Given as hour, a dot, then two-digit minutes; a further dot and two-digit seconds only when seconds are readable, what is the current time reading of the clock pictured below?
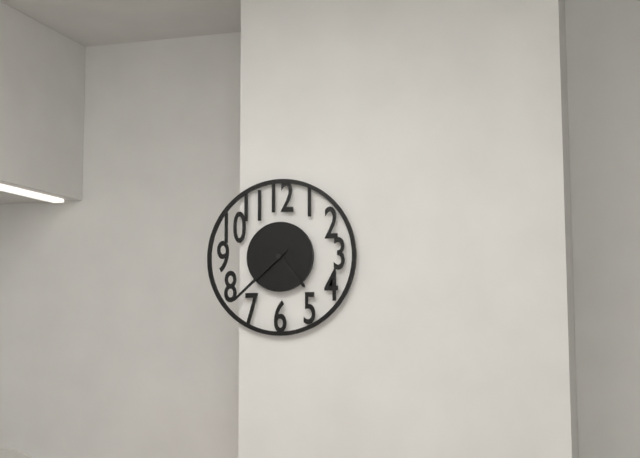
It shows 4.38
